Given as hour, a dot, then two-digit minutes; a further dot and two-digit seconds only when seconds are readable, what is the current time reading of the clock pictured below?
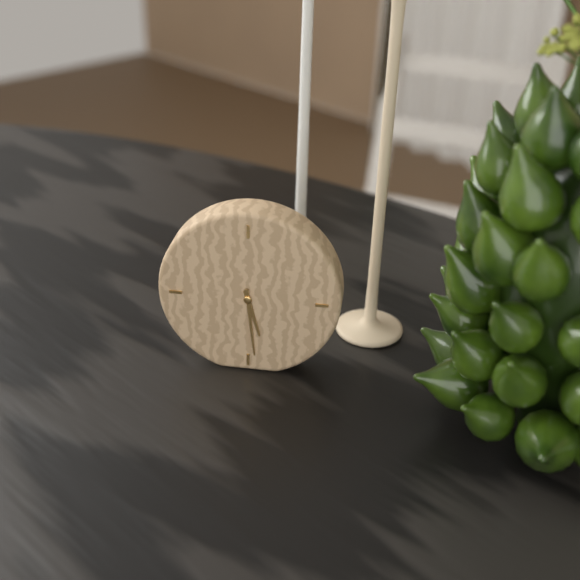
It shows 5.29
